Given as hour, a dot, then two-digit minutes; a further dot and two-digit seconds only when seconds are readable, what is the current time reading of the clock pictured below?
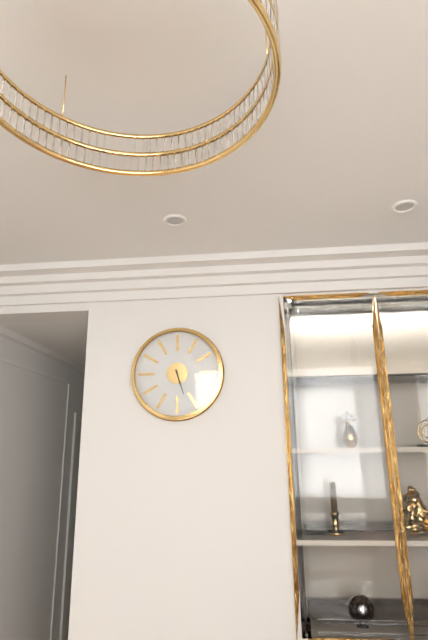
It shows 5.27
